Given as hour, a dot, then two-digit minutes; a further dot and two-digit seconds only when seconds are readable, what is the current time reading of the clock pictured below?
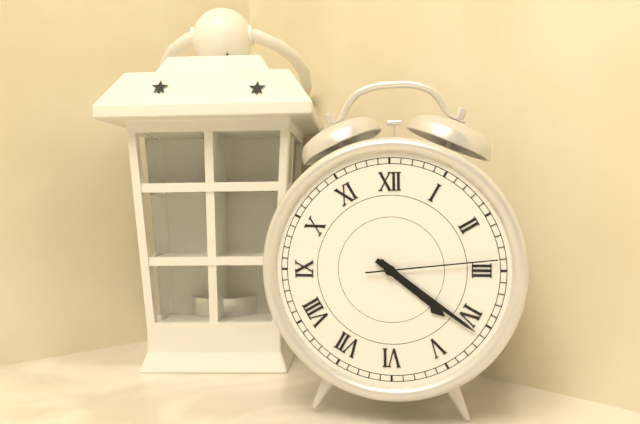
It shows 4.21.14
